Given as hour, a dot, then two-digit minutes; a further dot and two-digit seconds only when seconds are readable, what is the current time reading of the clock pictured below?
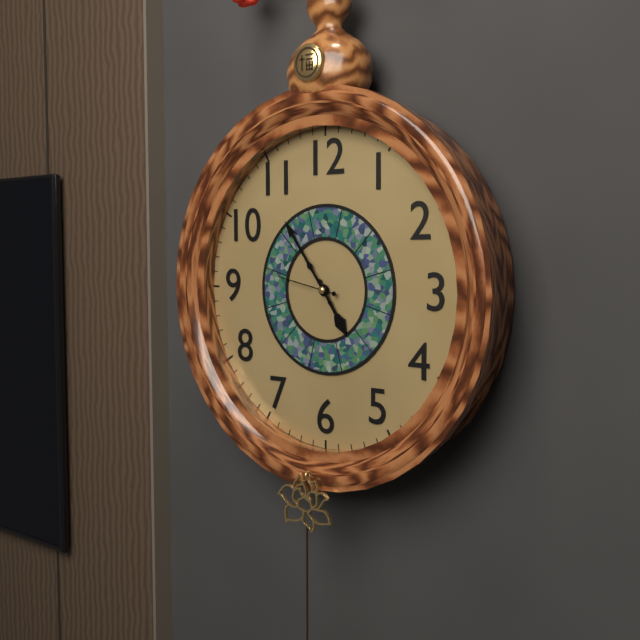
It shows 4.54.47
